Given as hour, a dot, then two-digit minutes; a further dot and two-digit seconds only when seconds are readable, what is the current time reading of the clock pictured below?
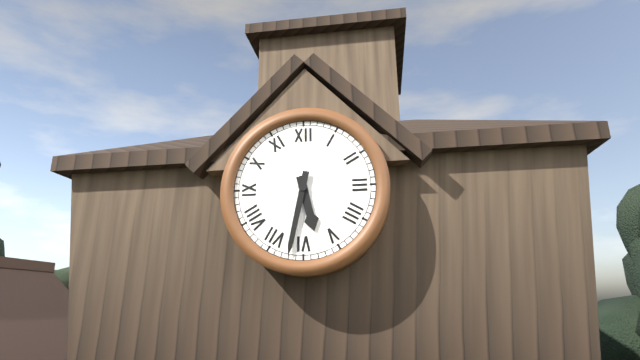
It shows 5.32
